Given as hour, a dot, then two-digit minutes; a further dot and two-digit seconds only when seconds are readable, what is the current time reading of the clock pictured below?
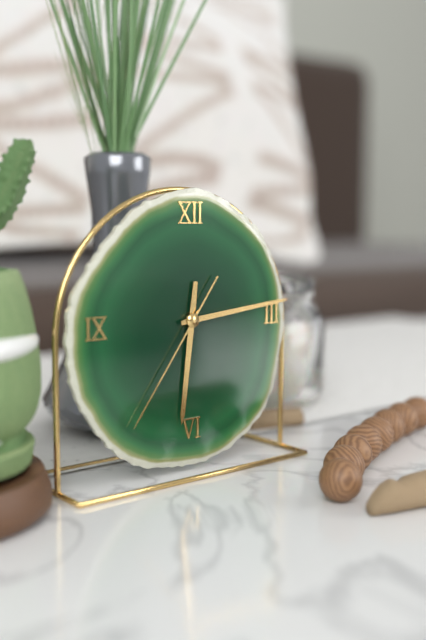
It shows 6.14.36
